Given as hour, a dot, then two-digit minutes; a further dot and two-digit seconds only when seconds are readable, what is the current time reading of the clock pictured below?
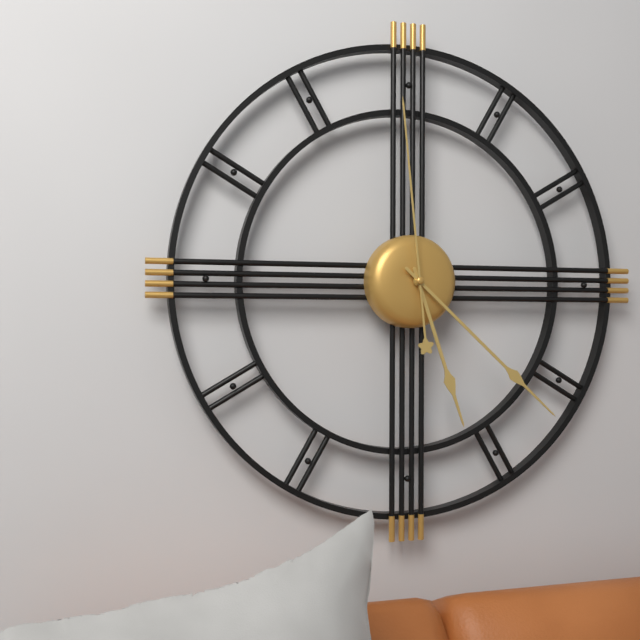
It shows 5.22.59
